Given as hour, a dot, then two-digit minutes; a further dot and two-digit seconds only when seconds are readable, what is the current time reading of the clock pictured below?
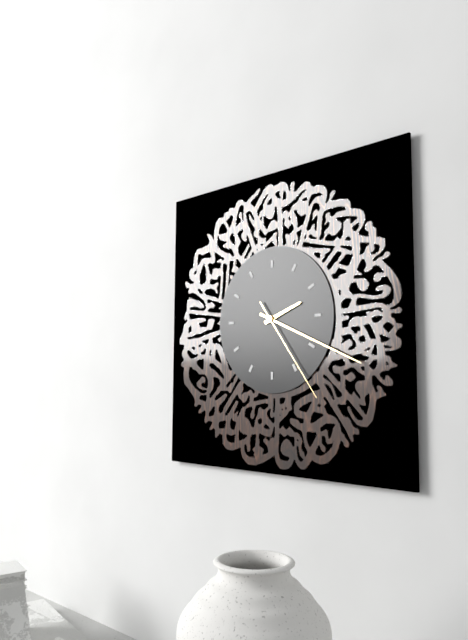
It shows 2.19.24
